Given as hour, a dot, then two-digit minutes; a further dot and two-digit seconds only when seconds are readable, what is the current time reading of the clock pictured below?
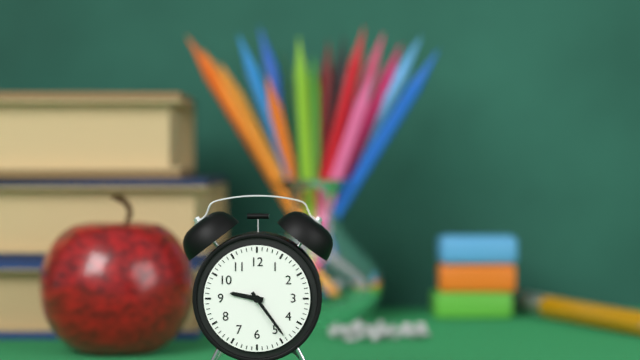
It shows 9.24
